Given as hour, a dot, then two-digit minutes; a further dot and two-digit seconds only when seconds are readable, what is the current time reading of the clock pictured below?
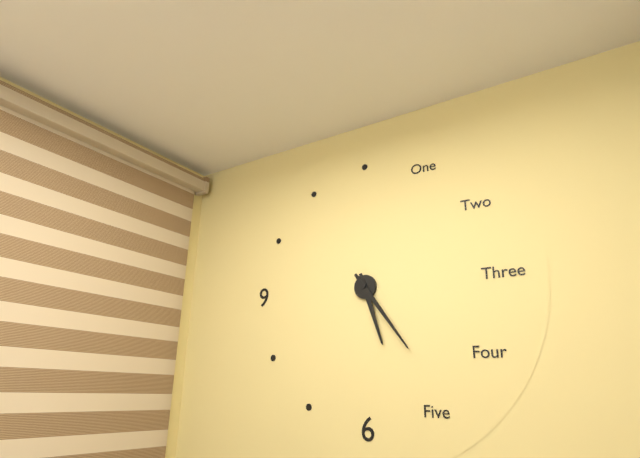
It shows 5.24
